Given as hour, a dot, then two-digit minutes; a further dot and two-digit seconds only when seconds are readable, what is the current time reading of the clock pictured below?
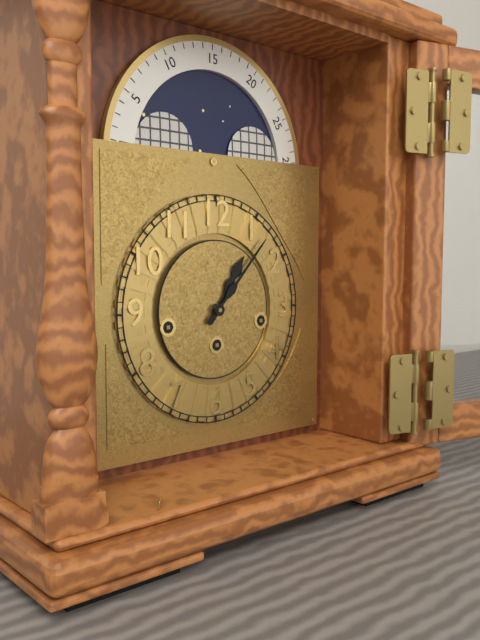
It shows 1.07
